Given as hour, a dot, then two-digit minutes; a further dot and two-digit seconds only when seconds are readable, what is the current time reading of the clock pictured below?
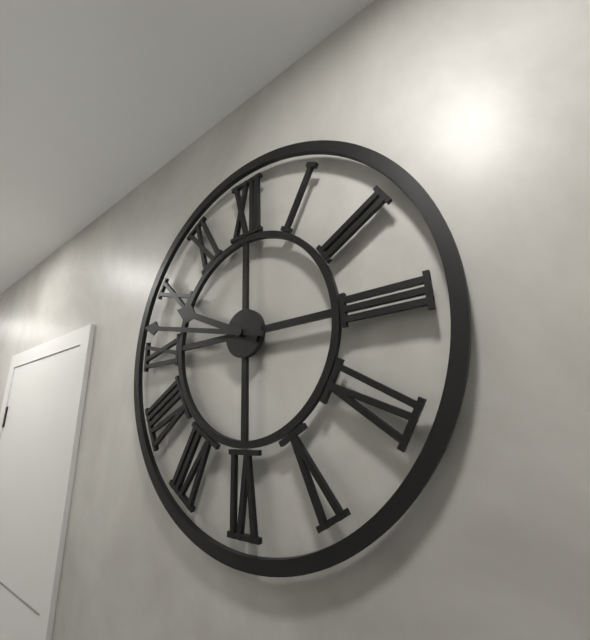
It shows 9.47
